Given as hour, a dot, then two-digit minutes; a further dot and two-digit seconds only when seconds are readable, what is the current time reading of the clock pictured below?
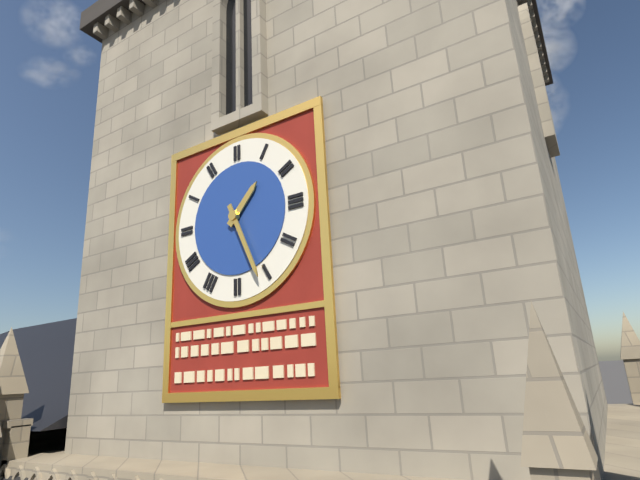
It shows 1.26
